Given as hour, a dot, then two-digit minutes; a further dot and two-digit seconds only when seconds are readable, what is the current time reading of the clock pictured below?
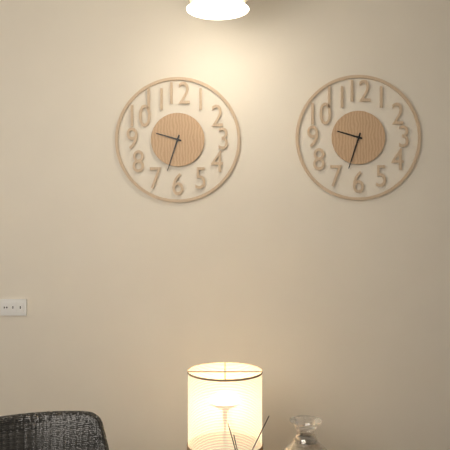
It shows 9.33
